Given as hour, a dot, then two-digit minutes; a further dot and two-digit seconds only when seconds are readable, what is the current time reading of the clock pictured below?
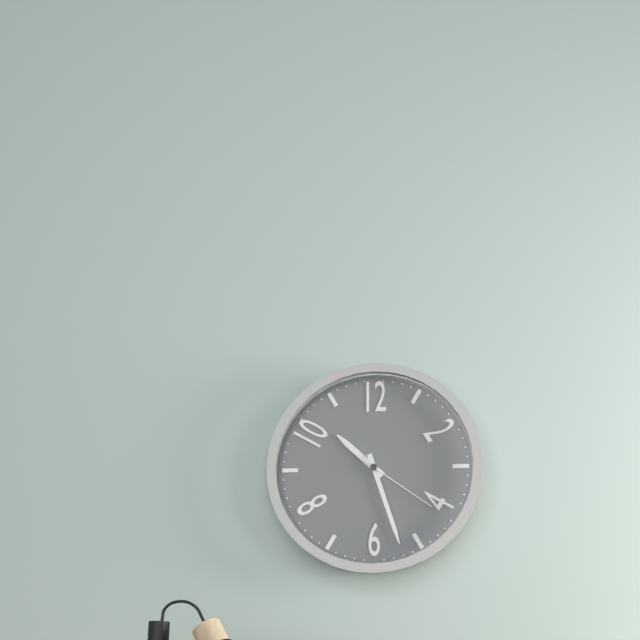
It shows 10.27.21
